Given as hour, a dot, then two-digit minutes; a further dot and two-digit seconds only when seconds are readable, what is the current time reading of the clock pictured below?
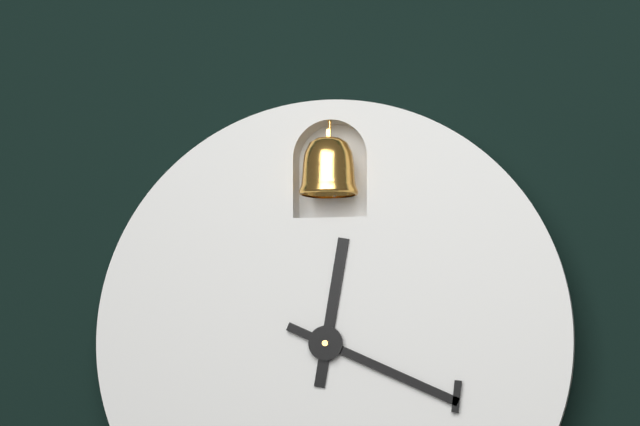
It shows 12.19
